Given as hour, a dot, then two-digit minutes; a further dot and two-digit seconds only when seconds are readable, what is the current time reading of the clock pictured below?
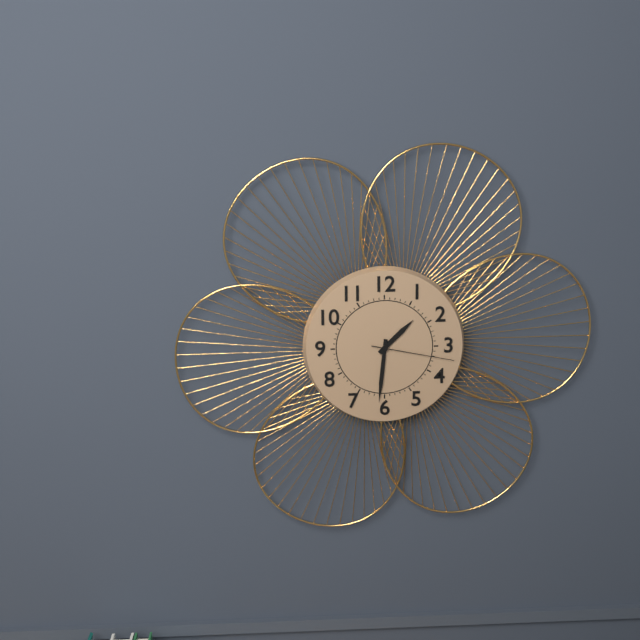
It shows 1.31.17
